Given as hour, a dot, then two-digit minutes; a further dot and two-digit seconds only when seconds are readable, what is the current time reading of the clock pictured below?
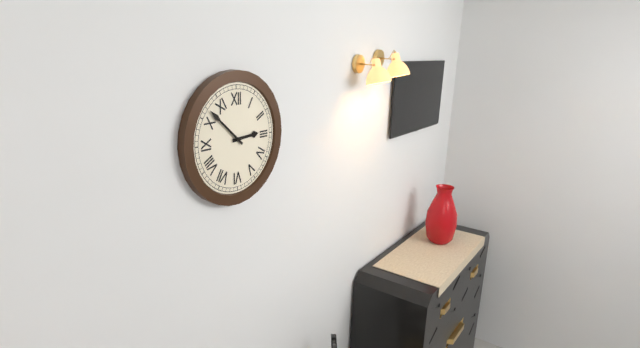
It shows 2.52
